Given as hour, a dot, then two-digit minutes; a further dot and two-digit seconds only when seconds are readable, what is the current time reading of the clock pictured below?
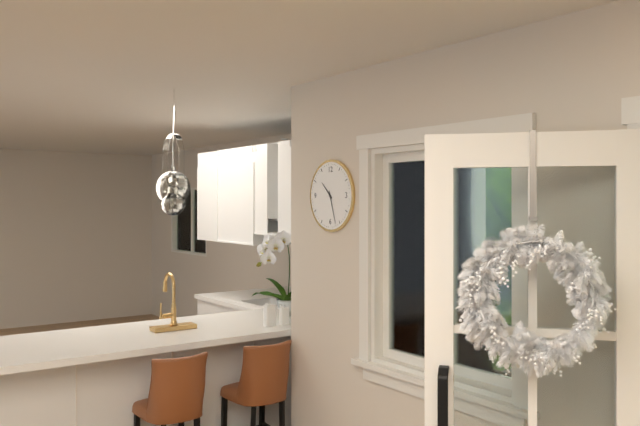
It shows 10.27
